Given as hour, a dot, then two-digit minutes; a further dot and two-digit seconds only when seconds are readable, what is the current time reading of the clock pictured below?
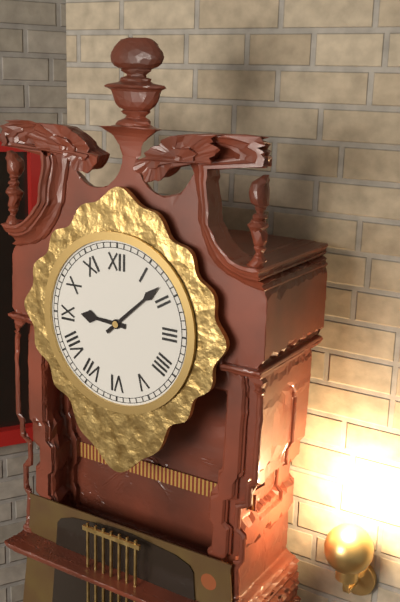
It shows 9.08
